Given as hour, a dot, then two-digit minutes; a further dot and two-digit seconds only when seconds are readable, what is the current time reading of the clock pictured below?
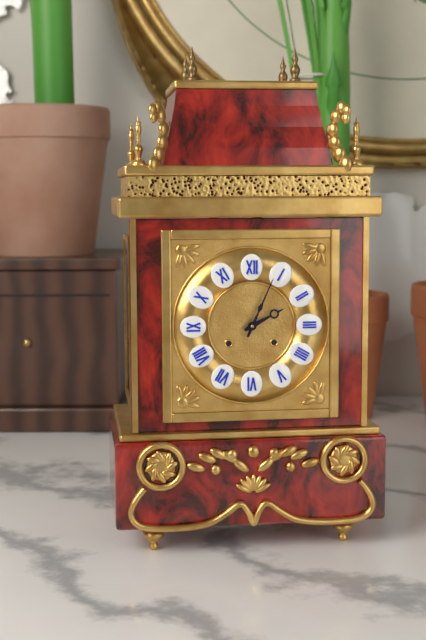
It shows 2.04
